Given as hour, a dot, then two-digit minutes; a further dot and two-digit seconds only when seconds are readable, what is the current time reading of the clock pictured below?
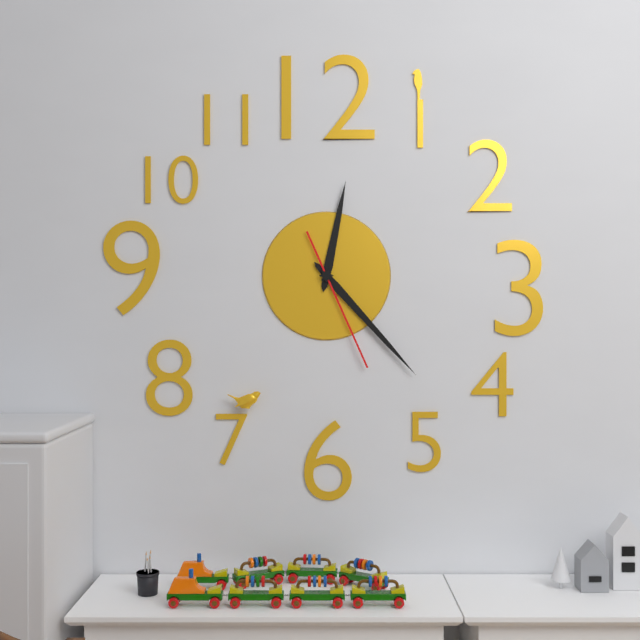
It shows 12.23.26
